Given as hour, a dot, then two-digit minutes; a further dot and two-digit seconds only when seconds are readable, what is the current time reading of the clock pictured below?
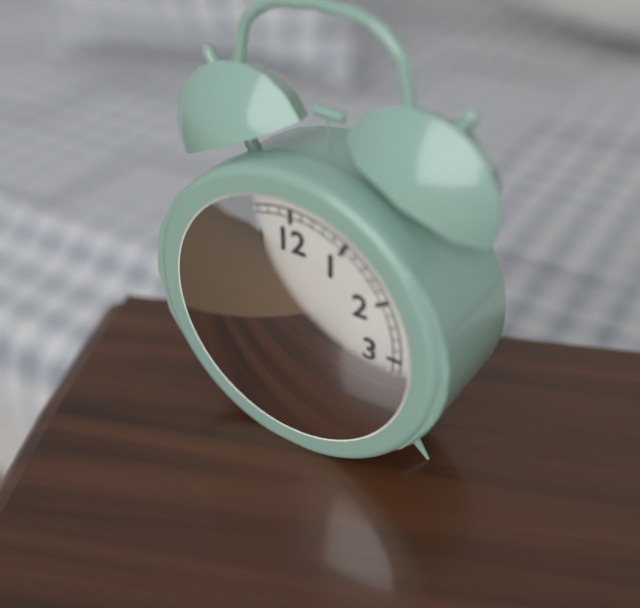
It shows 5.43.21
